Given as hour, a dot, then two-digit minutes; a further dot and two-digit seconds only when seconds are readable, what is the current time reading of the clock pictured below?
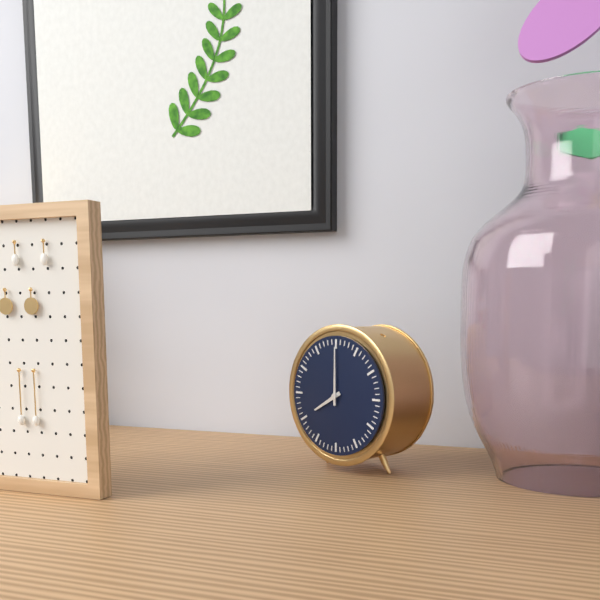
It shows 8.00
